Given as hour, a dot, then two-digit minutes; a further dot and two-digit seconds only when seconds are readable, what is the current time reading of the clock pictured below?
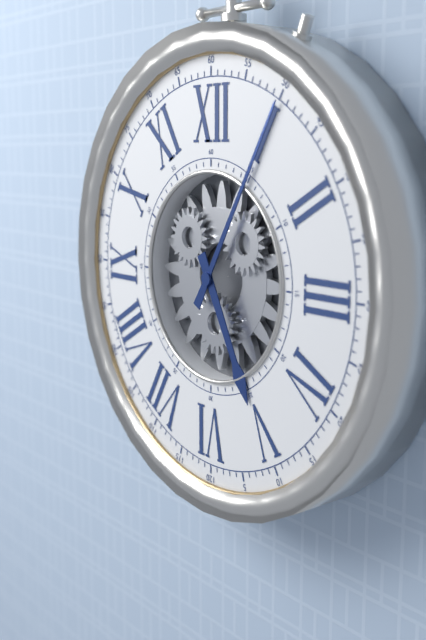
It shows 5.05
